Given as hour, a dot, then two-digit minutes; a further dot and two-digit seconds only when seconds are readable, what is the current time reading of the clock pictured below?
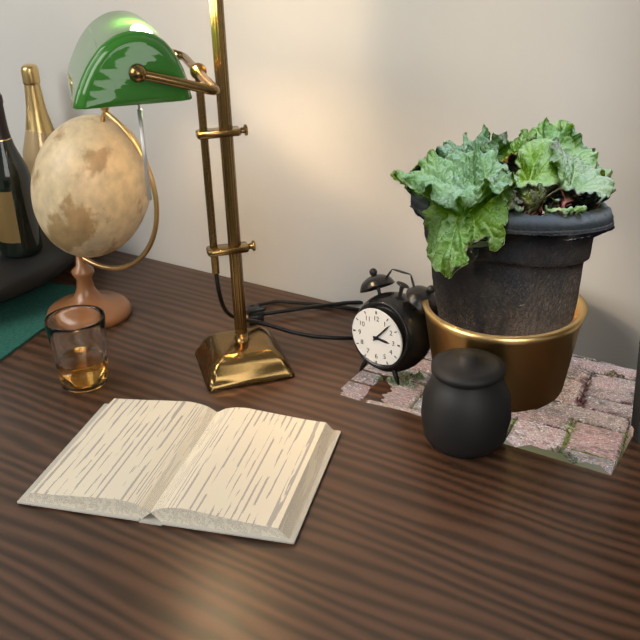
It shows 3.07
